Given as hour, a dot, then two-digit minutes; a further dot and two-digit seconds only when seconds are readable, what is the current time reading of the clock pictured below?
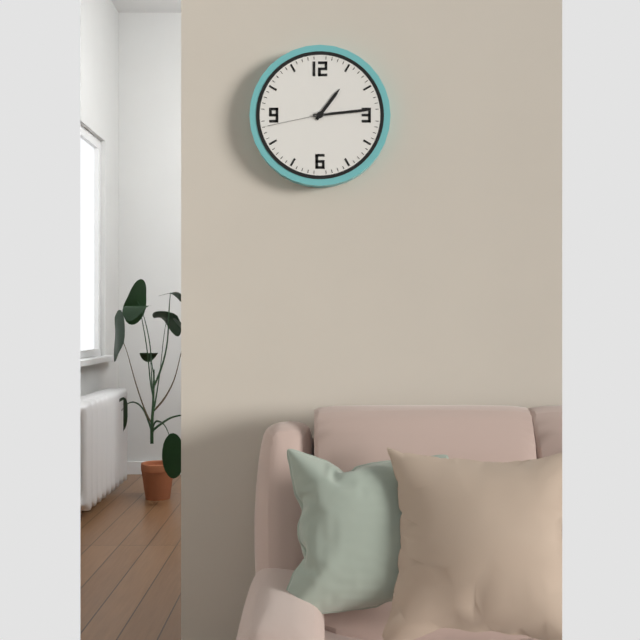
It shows 1.14.43
